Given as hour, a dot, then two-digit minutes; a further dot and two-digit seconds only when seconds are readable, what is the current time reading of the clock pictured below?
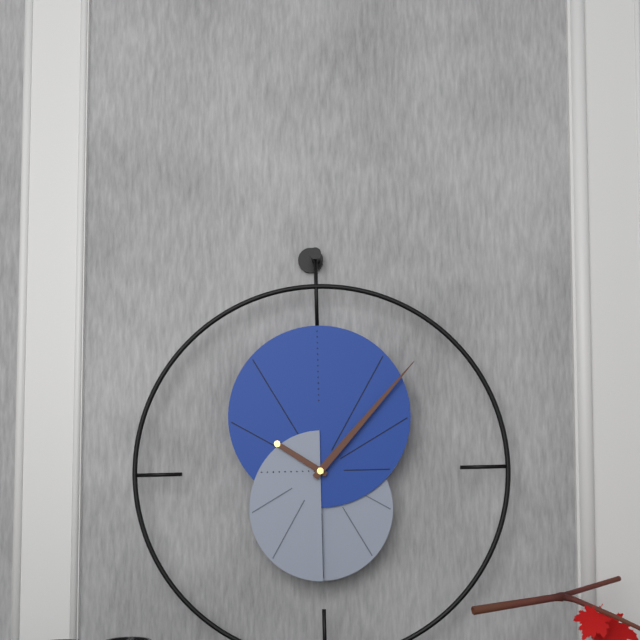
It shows 10.07
